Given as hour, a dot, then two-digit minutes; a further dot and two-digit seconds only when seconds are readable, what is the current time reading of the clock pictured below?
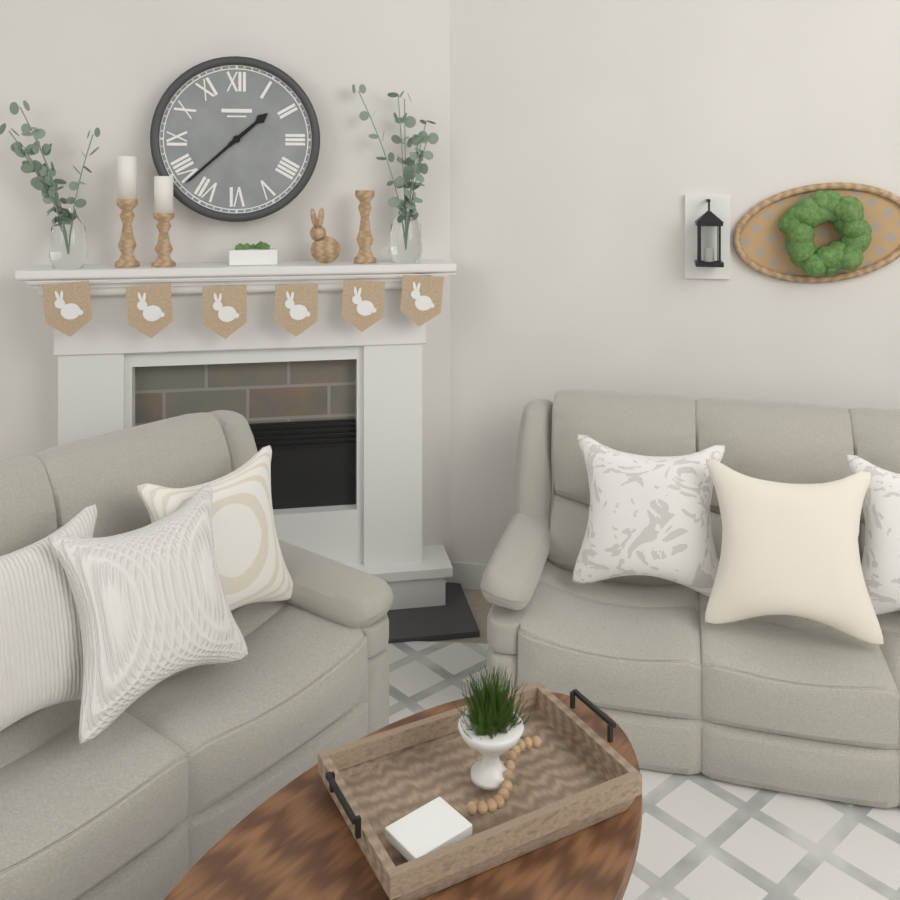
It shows 1.38
